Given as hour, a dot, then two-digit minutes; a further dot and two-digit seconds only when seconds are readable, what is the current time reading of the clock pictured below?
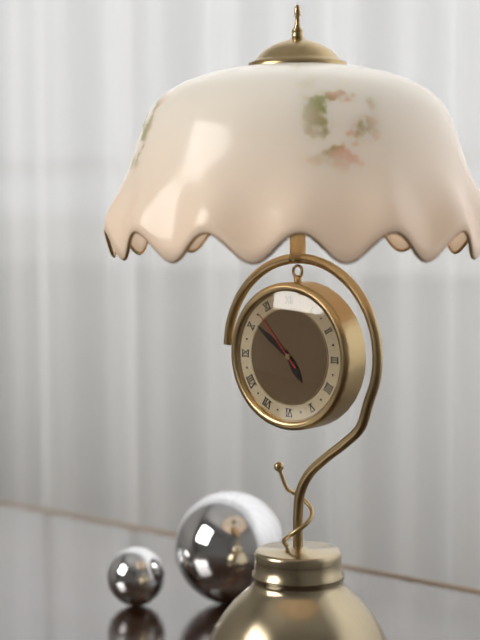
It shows 4.51.53
